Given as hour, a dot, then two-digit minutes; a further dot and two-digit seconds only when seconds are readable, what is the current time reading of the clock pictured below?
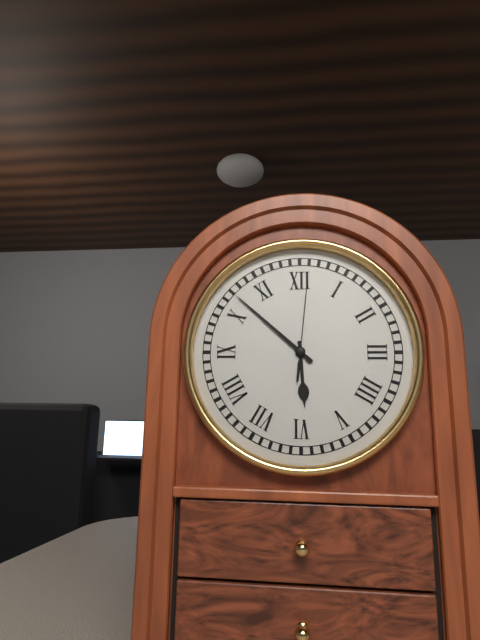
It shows 5.52.01
